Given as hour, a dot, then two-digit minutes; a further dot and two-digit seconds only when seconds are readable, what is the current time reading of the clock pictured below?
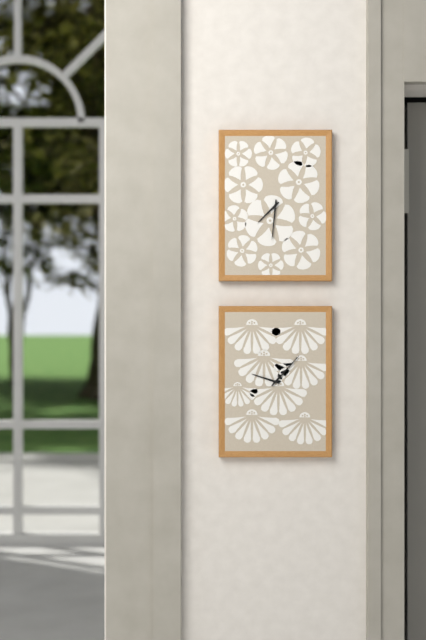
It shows 7.31
